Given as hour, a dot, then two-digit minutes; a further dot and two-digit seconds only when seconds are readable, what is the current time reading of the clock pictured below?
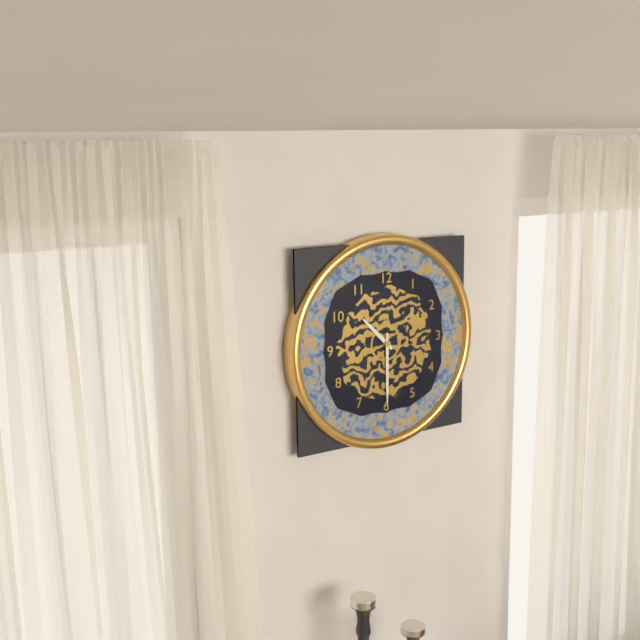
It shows 10.30
